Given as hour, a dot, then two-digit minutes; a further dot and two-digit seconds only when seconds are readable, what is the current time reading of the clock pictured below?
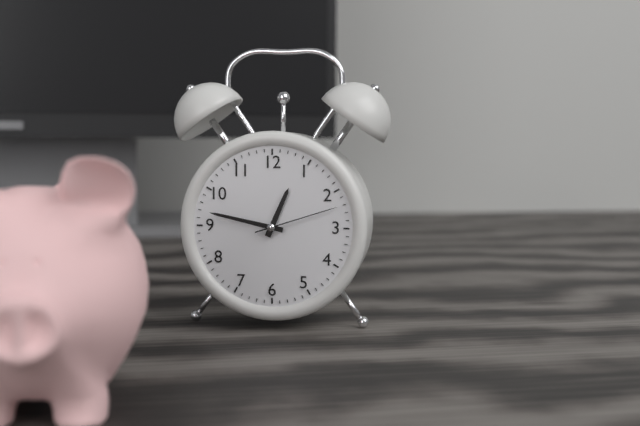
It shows 12.47.12
